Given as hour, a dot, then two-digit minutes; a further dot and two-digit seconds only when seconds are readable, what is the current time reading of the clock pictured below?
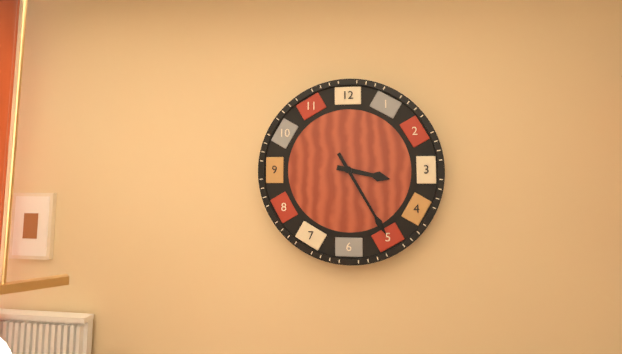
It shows 3.25
